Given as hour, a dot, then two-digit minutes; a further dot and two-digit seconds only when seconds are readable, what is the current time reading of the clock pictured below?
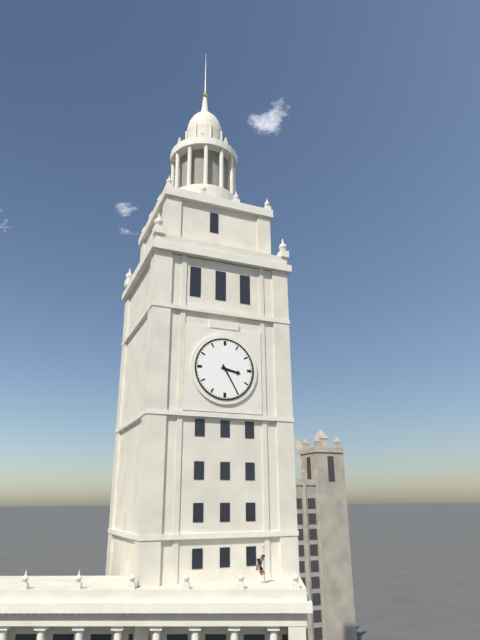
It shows 3.25
